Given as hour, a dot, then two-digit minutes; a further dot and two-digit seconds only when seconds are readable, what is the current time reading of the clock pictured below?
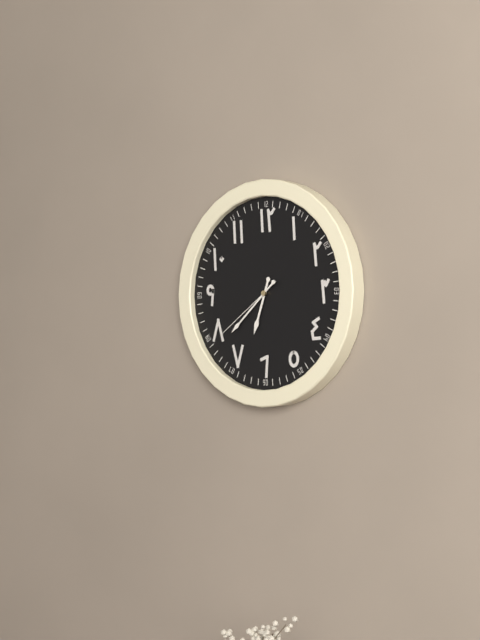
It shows 6.38.39
